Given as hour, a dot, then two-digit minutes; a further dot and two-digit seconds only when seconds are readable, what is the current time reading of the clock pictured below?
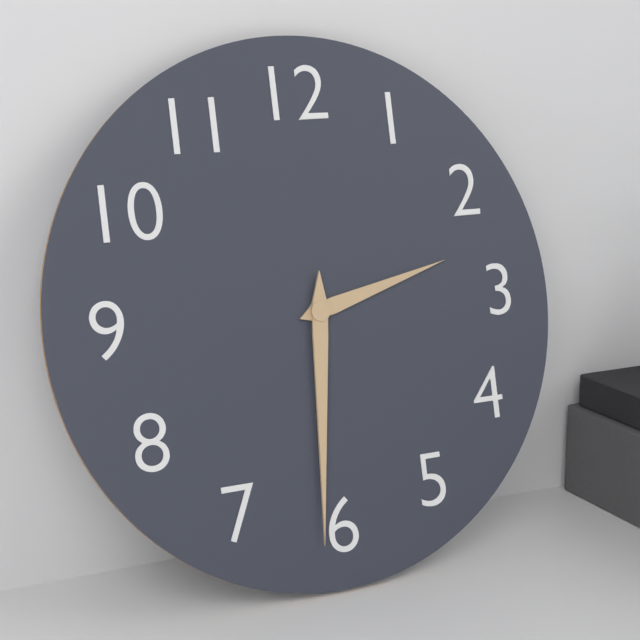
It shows 2.31
